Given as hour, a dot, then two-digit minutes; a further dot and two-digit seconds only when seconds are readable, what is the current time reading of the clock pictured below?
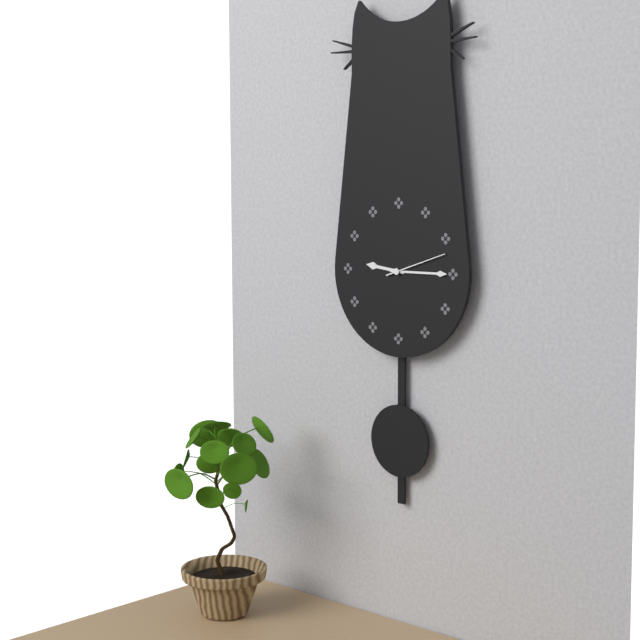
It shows 9.15.12
